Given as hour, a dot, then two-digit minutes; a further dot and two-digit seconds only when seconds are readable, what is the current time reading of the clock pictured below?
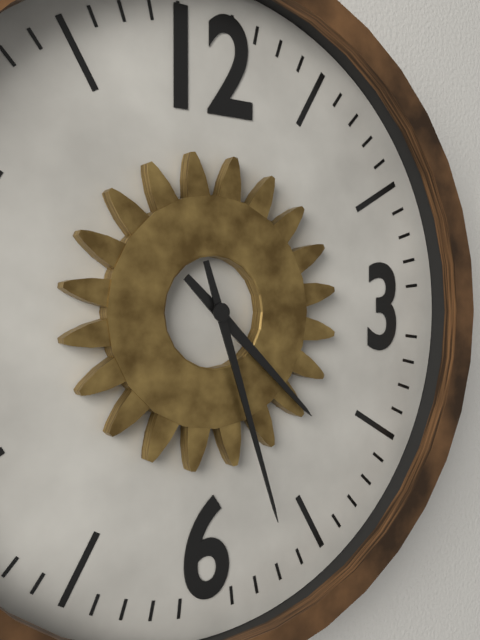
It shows 4.27
